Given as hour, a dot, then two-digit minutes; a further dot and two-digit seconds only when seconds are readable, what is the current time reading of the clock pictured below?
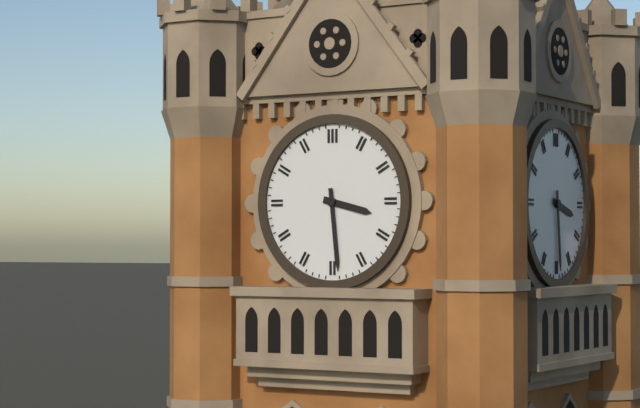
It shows 3.29
